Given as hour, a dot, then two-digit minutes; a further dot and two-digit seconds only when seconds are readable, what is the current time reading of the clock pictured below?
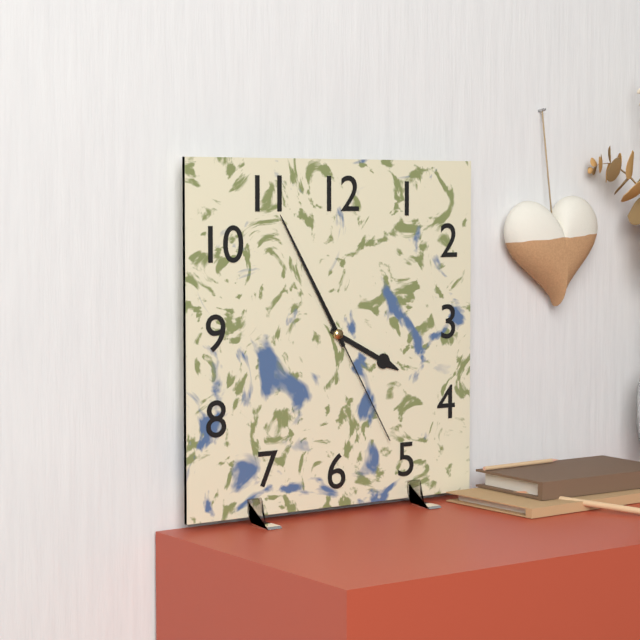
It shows 3.55.25
